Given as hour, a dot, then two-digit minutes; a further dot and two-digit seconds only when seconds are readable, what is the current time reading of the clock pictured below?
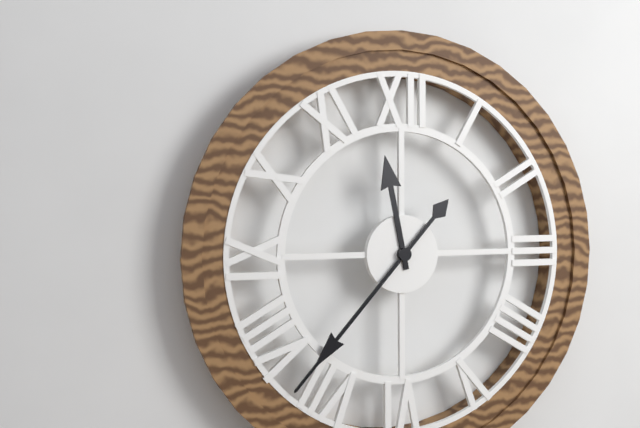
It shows 11.37
